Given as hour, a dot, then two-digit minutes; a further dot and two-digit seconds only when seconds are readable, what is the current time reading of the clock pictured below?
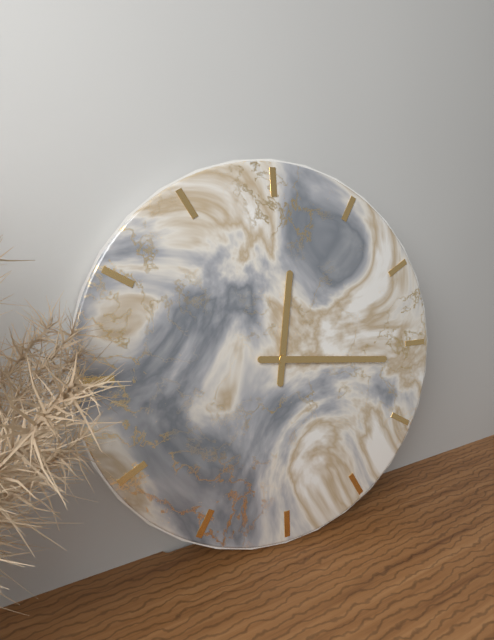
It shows 12.16
